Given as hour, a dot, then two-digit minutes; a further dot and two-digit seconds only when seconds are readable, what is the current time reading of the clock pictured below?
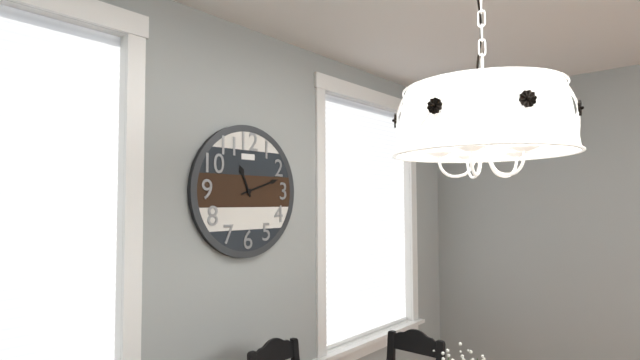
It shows 11.12
